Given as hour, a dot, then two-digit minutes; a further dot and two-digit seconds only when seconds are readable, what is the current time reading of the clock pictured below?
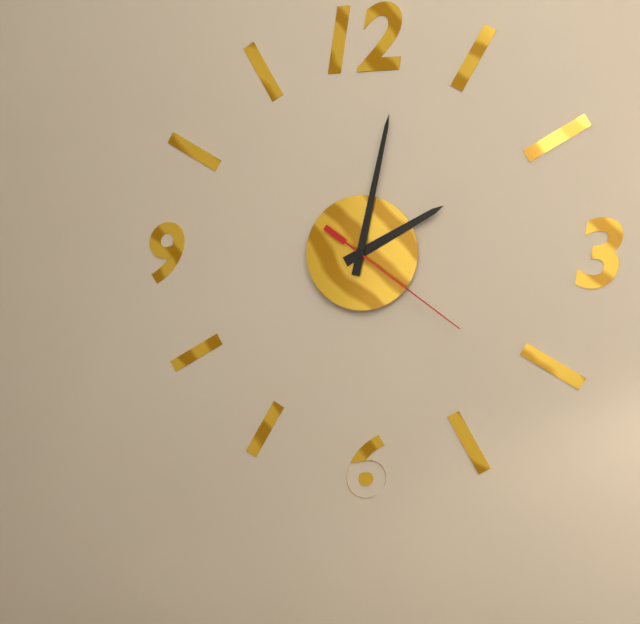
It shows 2.02.21
